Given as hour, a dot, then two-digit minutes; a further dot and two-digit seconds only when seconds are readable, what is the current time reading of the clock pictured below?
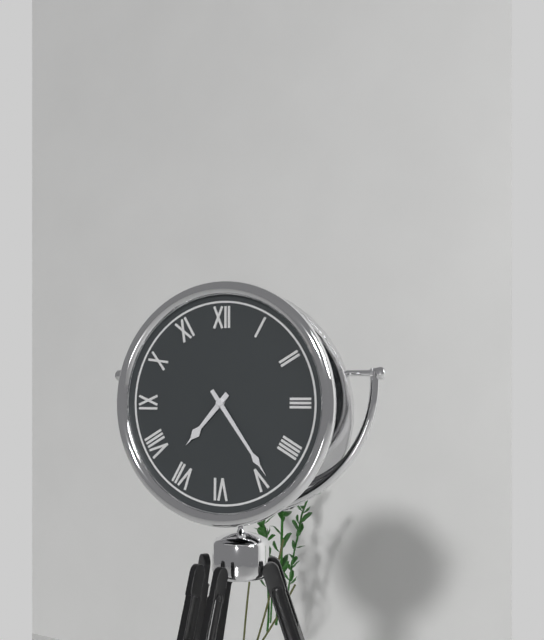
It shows 7.24
